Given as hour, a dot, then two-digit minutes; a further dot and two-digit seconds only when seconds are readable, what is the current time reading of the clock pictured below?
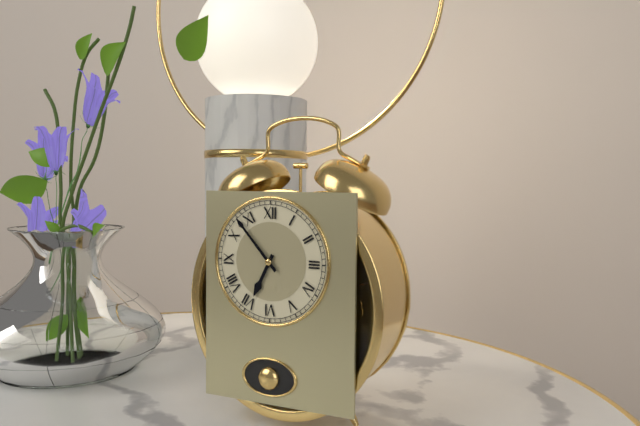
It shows 6.53
